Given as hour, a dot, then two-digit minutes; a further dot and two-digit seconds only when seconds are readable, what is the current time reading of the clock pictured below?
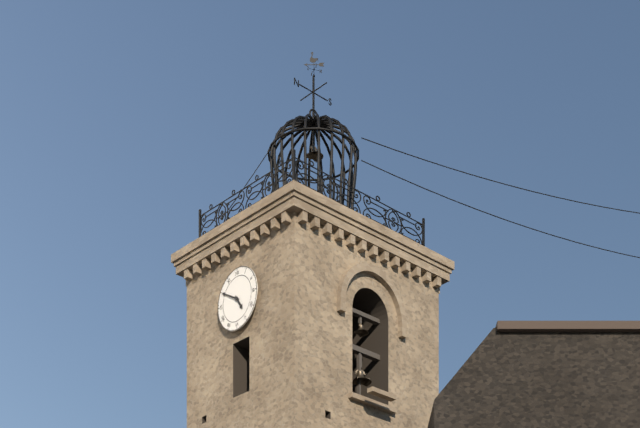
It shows 4.50
